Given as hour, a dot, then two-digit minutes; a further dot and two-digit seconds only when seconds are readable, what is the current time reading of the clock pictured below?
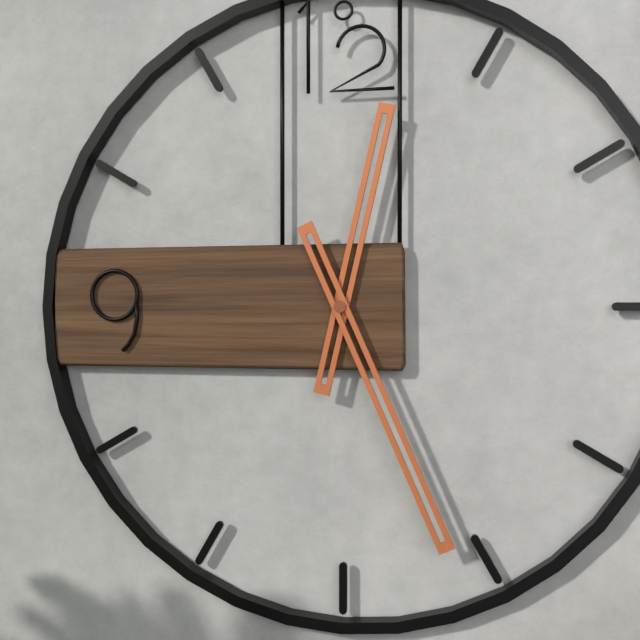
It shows 12.26
